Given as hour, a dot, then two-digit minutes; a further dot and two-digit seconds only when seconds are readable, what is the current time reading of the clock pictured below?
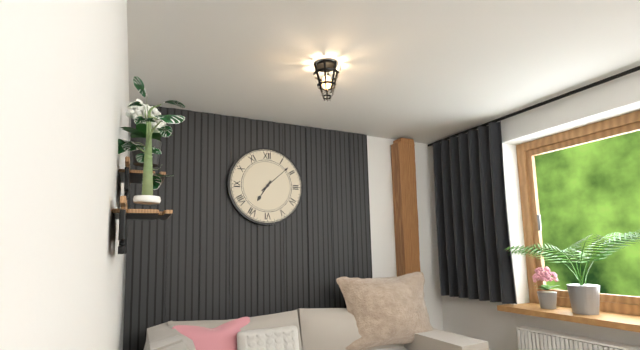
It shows 7.08
